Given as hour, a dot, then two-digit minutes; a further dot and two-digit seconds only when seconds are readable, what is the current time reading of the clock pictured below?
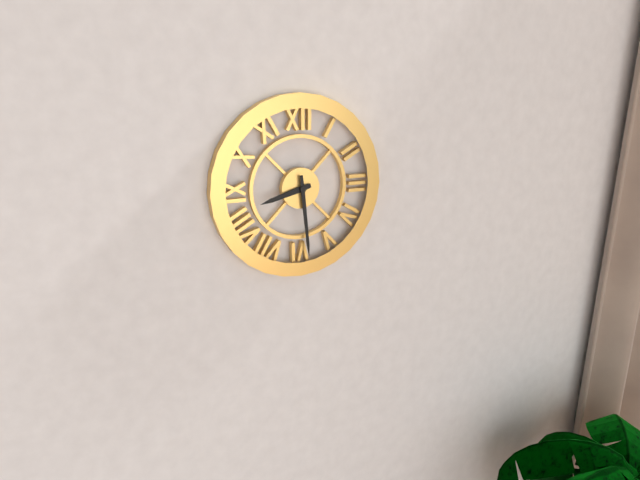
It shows 8.29
